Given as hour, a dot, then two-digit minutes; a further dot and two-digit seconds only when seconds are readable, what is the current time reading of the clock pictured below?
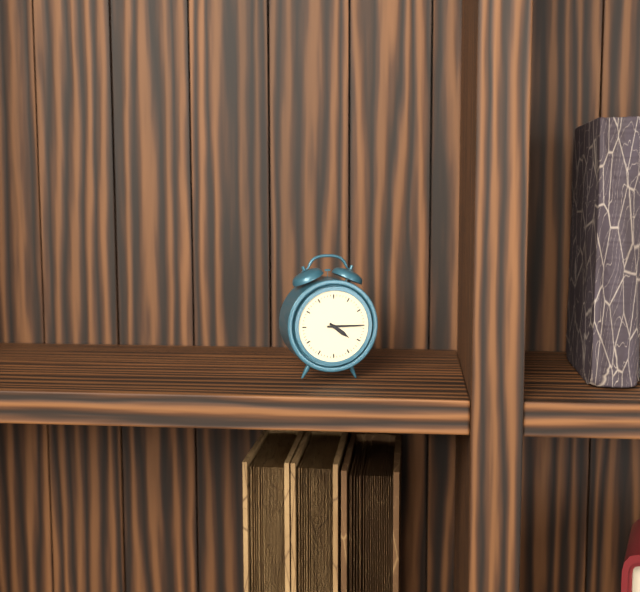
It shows 4.15
